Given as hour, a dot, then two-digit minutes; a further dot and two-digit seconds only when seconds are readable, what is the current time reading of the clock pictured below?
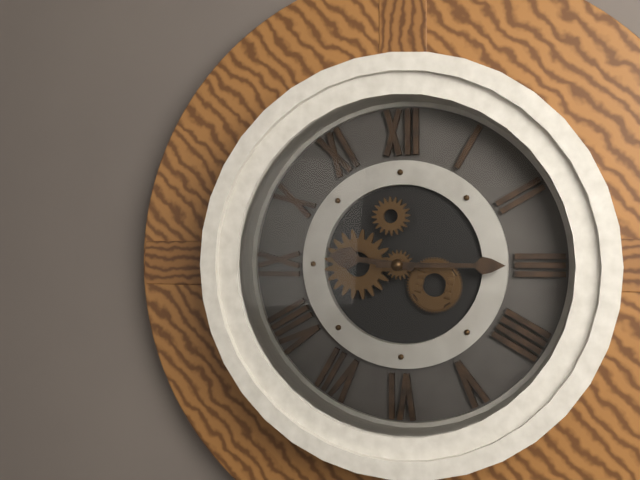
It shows 9.15
